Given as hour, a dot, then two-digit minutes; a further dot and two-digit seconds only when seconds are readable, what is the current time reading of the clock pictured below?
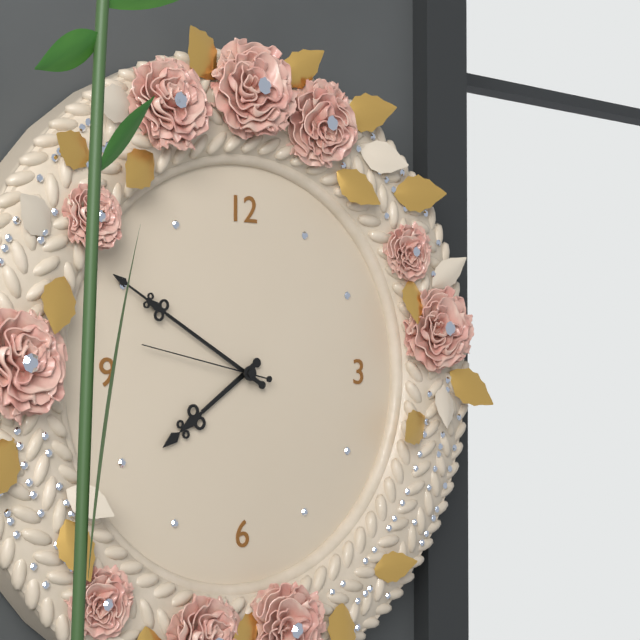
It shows 7.50.47
